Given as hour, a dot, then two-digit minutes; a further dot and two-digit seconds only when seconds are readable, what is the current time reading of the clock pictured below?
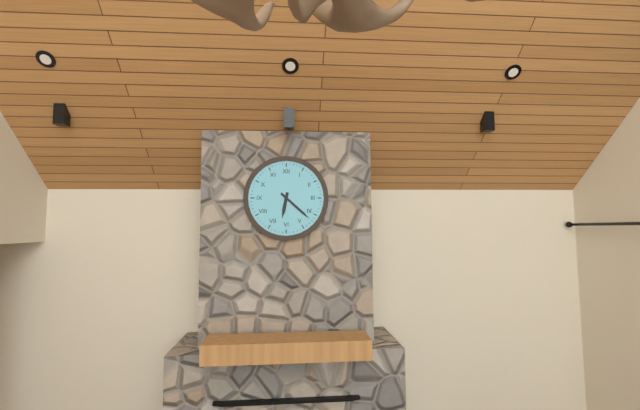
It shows 6.22
